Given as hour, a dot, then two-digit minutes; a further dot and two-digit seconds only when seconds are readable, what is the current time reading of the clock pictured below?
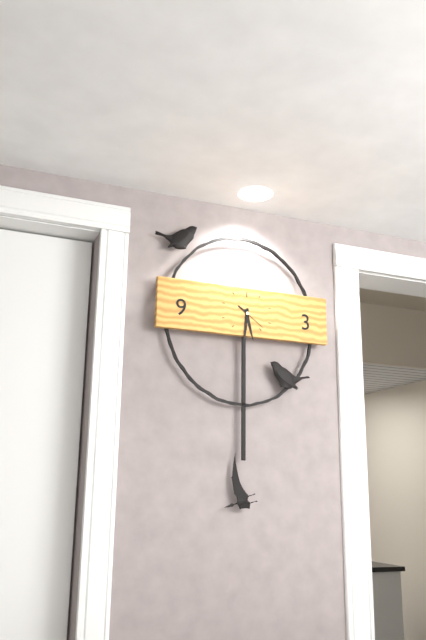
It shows 5.31
